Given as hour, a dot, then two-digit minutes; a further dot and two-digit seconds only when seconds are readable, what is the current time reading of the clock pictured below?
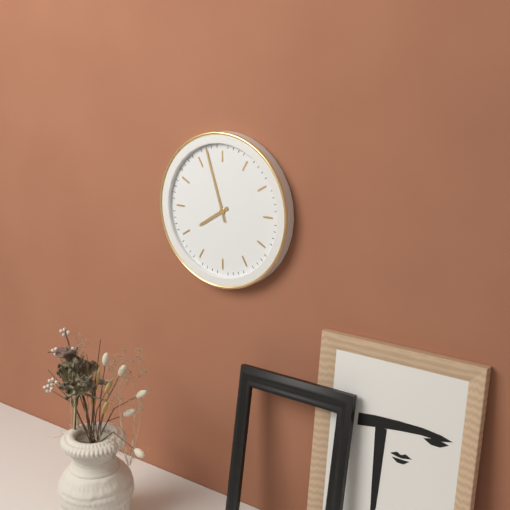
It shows 7.57
